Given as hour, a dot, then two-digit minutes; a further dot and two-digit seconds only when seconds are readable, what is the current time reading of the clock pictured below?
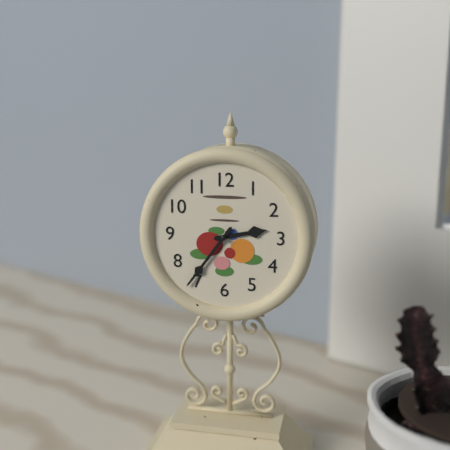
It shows 2.36
